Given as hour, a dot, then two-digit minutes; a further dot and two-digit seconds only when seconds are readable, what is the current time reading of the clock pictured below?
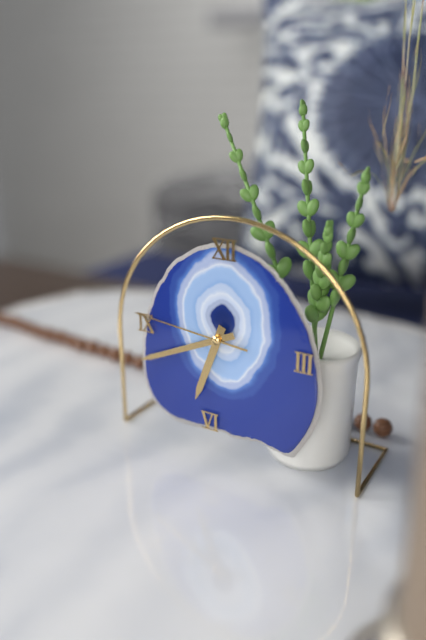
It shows 6.41.46
